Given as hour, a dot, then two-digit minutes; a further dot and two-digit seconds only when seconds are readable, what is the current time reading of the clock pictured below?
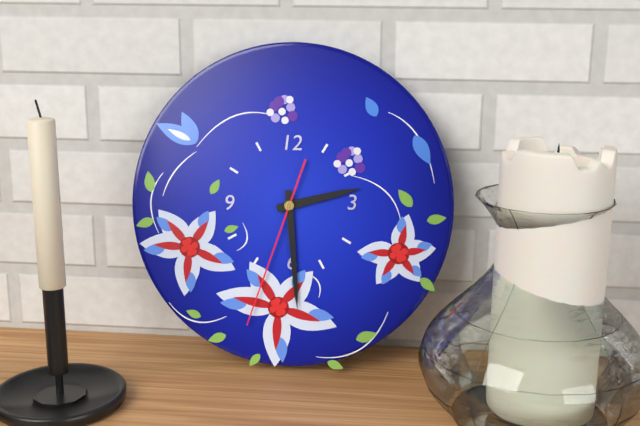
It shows 2.29.33
